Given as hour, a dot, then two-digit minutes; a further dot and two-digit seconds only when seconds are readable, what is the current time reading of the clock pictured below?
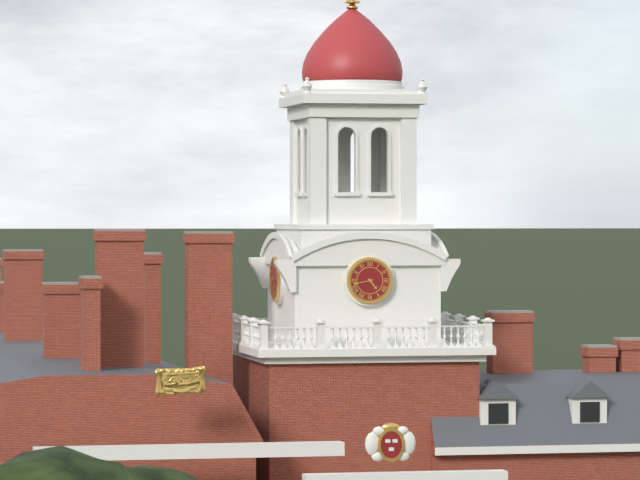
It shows 4.43
